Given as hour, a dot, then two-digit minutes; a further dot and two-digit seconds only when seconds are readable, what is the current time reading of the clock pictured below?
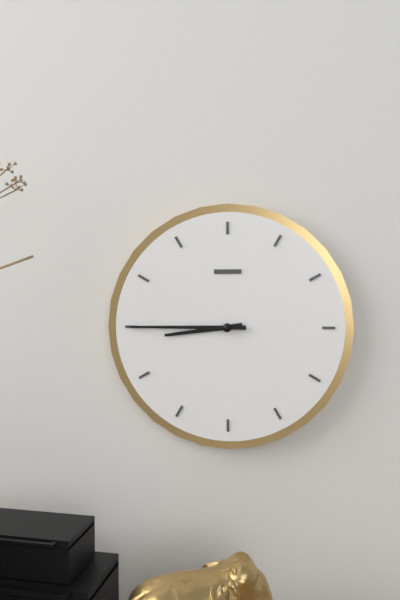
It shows 8.45
